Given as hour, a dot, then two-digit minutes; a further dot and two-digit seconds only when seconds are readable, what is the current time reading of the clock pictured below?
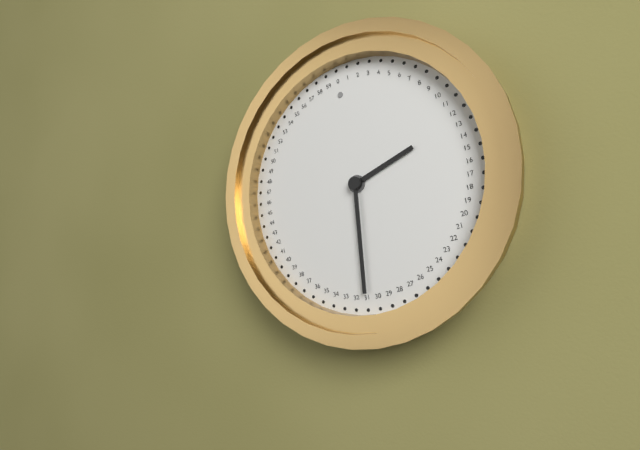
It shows 2.31
